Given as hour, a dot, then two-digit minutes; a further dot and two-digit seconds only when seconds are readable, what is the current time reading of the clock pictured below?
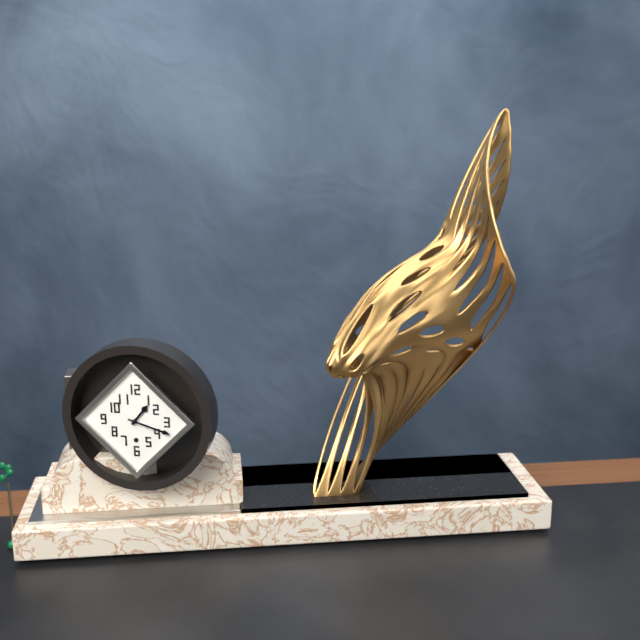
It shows 1.18
